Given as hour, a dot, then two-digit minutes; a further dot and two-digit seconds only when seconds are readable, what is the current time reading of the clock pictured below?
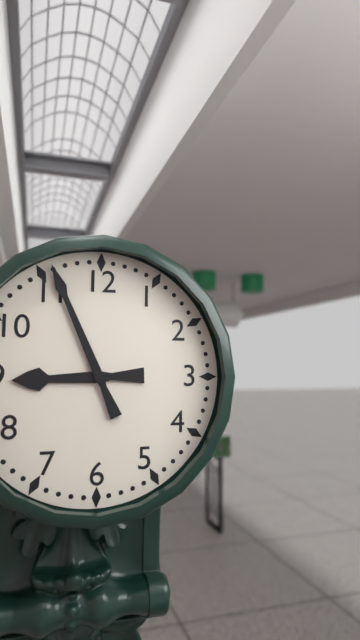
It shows 8.56
